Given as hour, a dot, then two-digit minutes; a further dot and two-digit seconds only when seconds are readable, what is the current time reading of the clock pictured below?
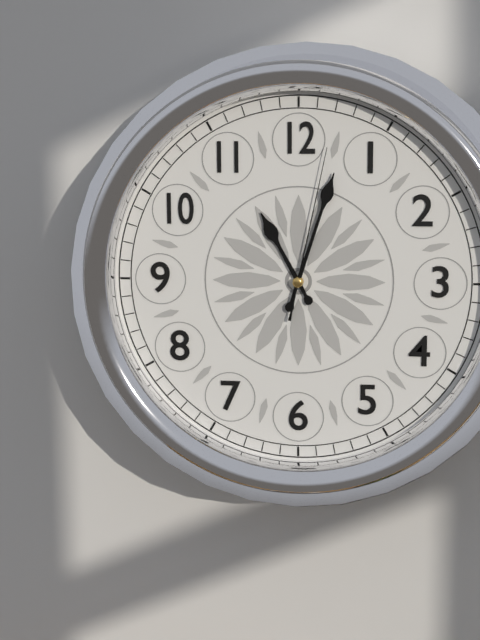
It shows 11.03.02
